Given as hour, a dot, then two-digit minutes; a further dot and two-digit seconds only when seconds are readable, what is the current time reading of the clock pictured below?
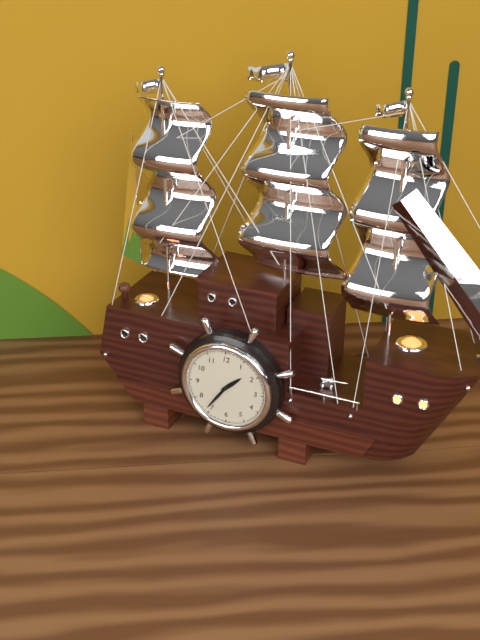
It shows 1.36
